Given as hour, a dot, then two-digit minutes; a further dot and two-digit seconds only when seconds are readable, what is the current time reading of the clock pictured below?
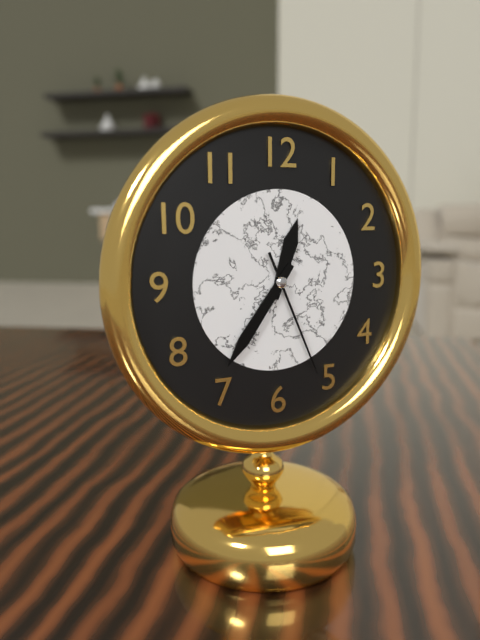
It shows 12.36.26
